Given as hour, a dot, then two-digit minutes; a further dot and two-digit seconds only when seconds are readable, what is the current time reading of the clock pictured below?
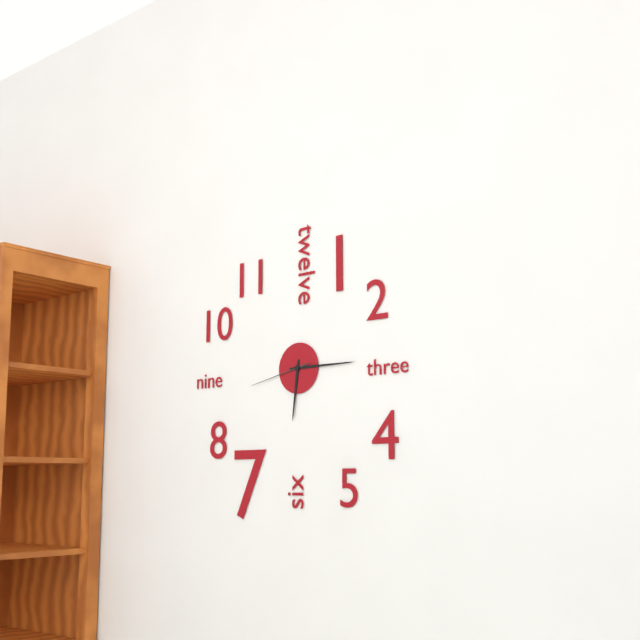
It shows 6.15.43
